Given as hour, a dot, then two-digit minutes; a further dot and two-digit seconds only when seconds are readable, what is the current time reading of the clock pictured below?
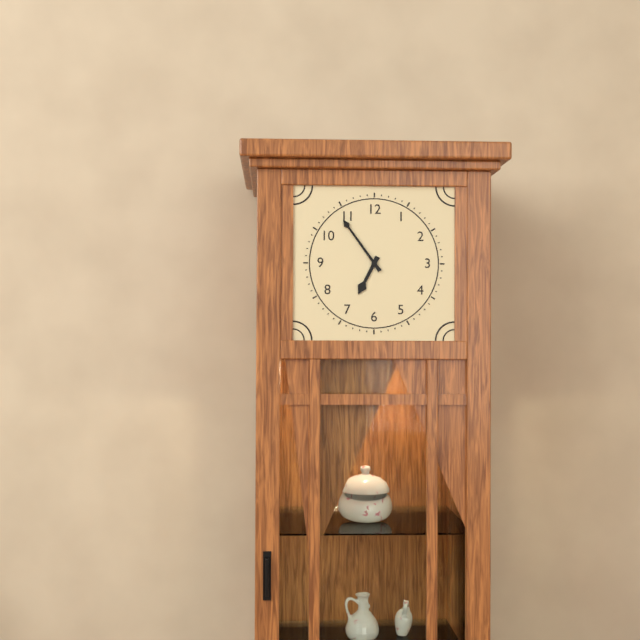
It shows 6.54
